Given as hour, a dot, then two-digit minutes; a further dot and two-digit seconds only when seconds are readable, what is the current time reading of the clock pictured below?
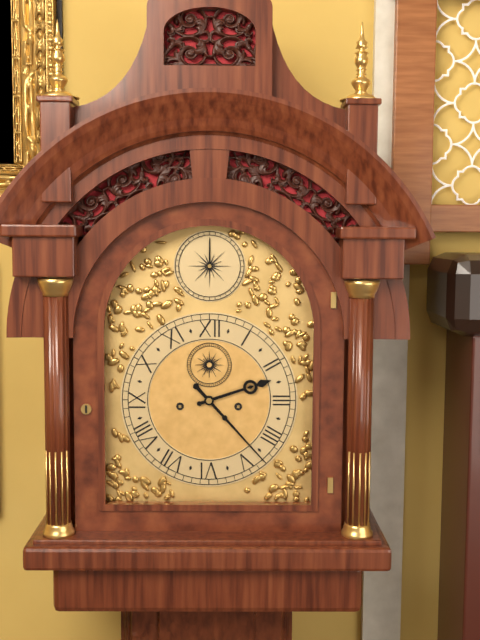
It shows 2.23
